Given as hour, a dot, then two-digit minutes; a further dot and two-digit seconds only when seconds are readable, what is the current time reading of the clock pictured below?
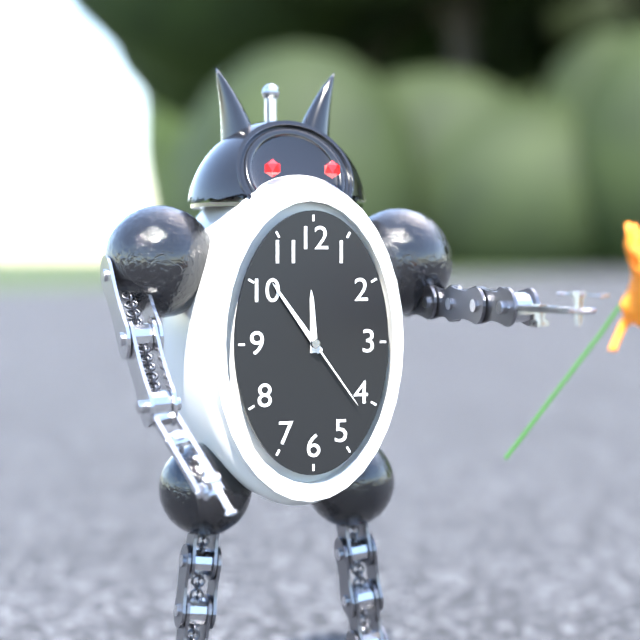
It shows 11.54.24
